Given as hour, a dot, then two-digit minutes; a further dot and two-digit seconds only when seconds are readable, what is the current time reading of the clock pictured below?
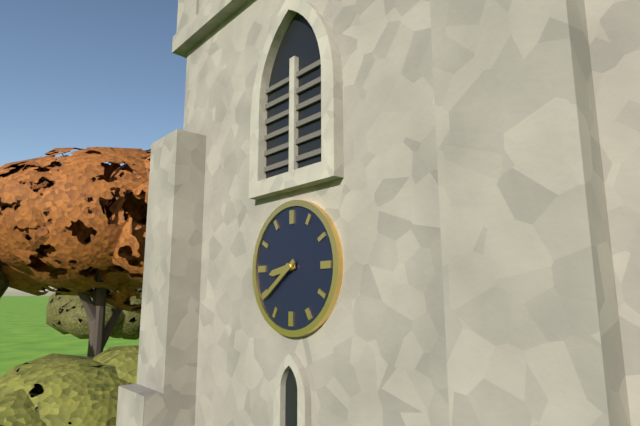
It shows 8.39
